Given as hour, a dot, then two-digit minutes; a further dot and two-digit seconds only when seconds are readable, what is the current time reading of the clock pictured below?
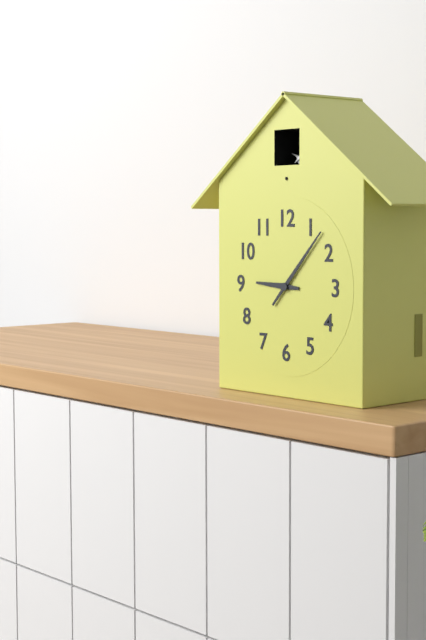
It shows 9.07
